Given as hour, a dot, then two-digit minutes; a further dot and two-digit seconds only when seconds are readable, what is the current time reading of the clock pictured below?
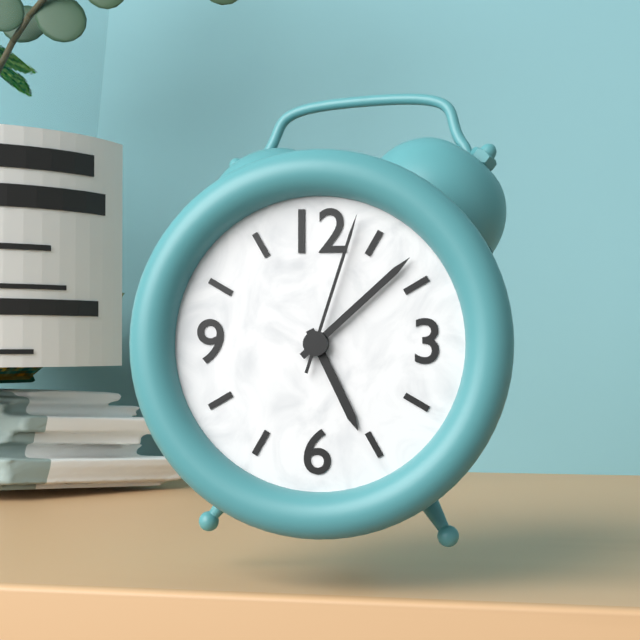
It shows 5.08.03
